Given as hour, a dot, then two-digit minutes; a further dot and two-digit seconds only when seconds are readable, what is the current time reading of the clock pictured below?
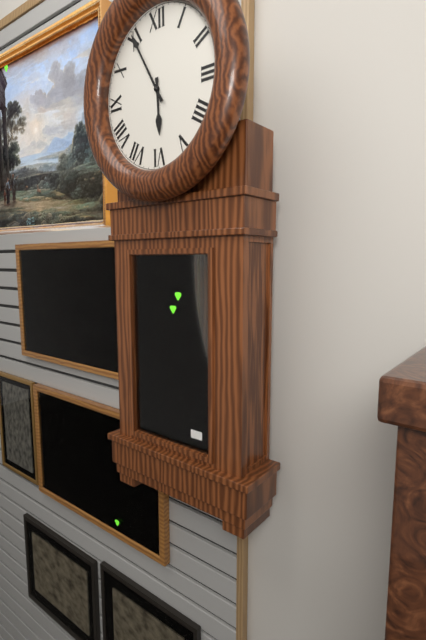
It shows 5.55
